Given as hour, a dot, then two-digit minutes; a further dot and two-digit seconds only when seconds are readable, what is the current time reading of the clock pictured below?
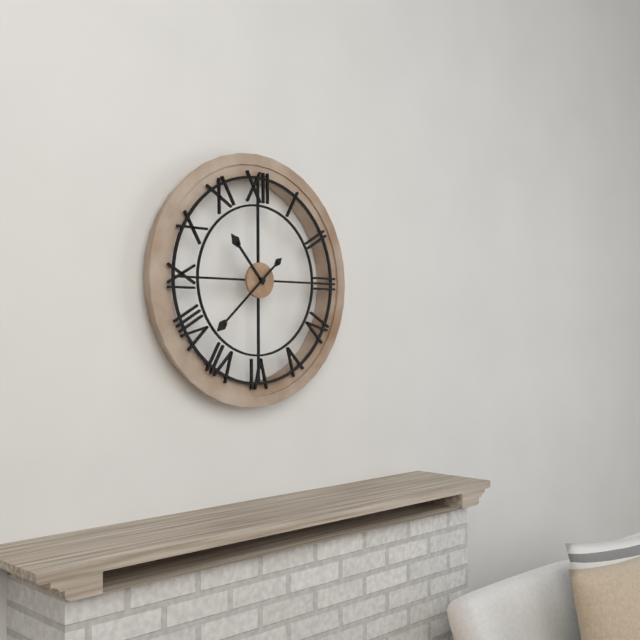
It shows 10.38
